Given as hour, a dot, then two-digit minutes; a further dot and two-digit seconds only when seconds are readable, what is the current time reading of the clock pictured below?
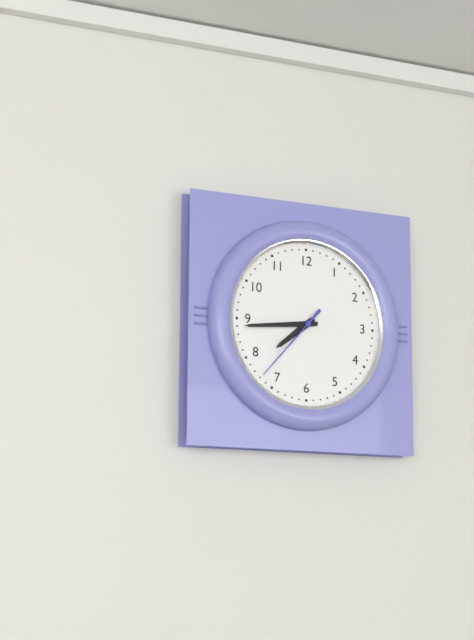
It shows 7.44.37
